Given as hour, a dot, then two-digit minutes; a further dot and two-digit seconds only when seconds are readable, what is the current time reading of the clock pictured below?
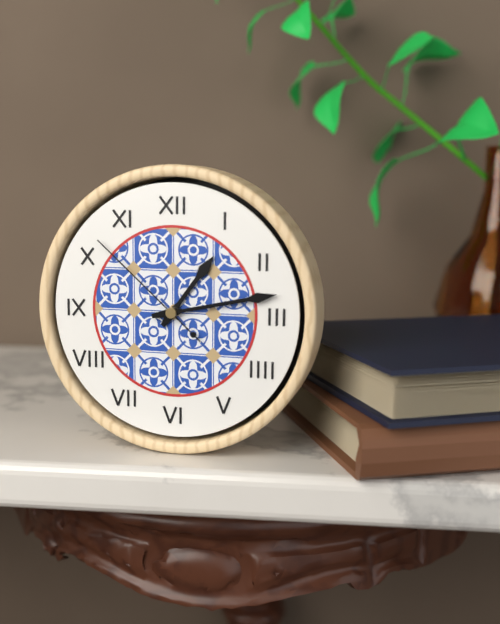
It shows 1.13.52
